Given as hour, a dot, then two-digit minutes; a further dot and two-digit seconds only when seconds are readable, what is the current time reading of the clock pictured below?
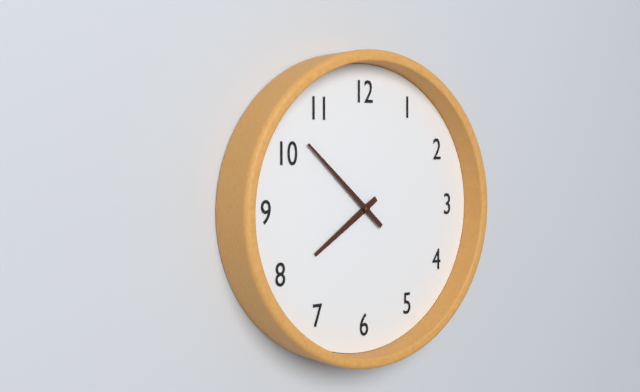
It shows 7.52
